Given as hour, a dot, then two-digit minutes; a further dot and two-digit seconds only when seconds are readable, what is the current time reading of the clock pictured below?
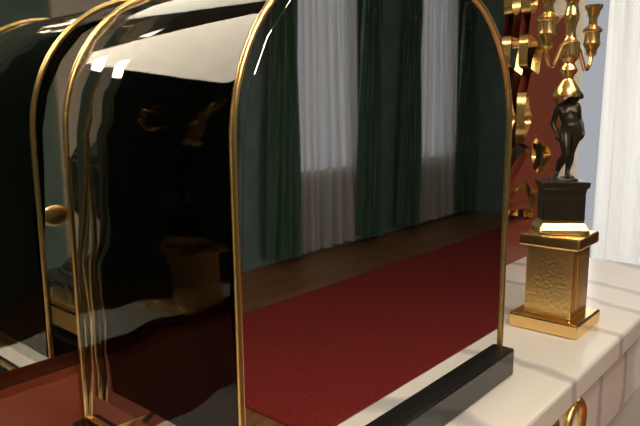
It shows 7.52
